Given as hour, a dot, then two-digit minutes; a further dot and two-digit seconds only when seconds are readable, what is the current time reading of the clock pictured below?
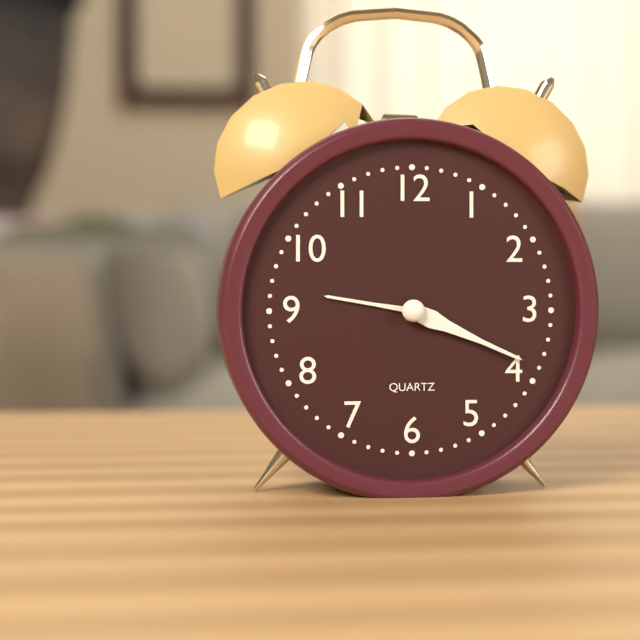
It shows 9.19
